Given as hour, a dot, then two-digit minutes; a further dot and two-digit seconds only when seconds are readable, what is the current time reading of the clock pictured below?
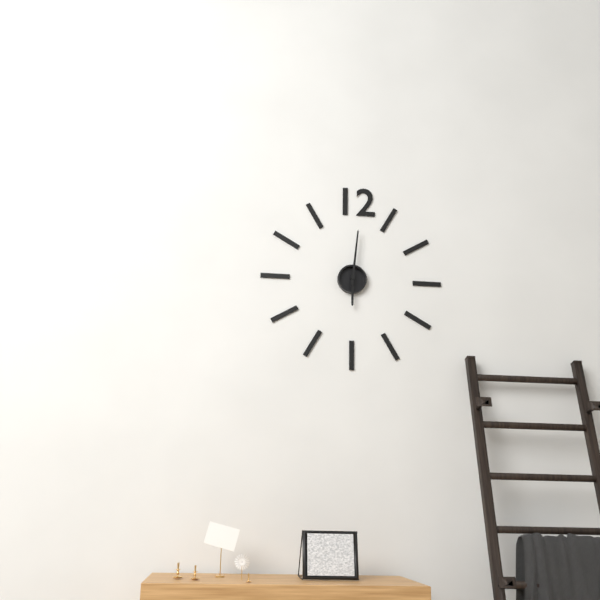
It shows 6.01
